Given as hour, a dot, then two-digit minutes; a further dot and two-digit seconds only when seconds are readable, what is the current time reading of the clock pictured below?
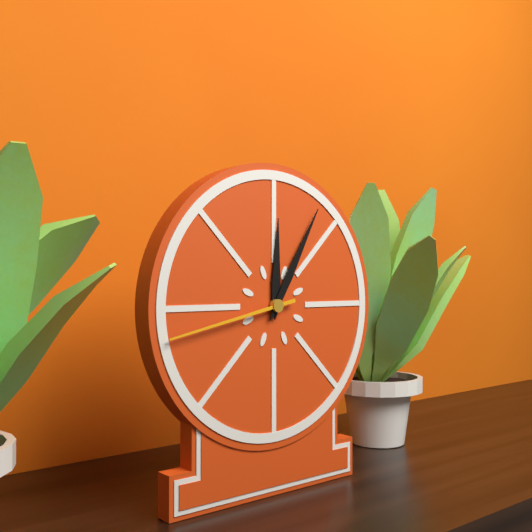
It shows 12.05.43
